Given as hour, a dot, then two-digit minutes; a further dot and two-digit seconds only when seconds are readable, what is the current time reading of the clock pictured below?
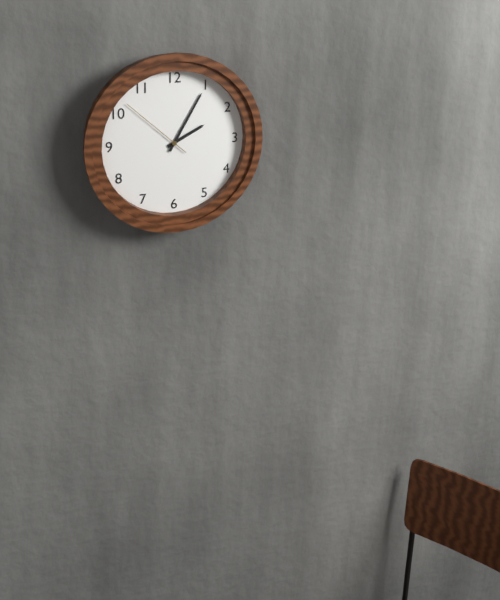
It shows 2.05.52
